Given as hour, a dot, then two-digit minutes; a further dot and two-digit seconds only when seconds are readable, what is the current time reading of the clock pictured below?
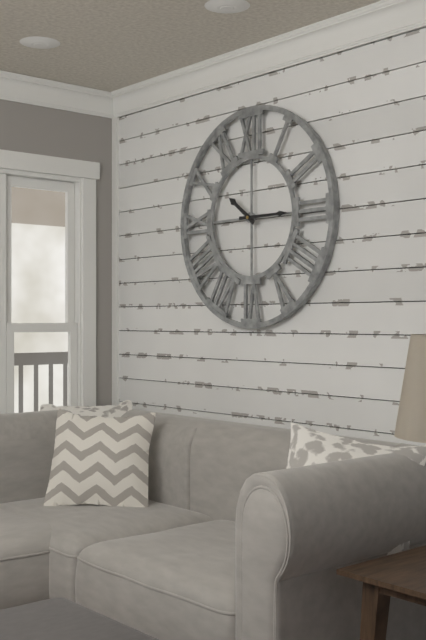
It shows 10.15
